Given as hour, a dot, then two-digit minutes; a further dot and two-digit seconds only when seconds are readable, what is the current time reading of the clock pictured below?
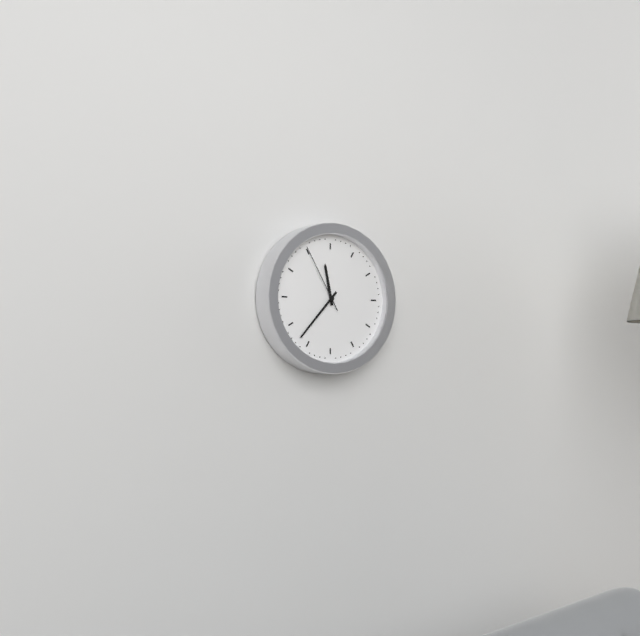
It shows 11.37.55
